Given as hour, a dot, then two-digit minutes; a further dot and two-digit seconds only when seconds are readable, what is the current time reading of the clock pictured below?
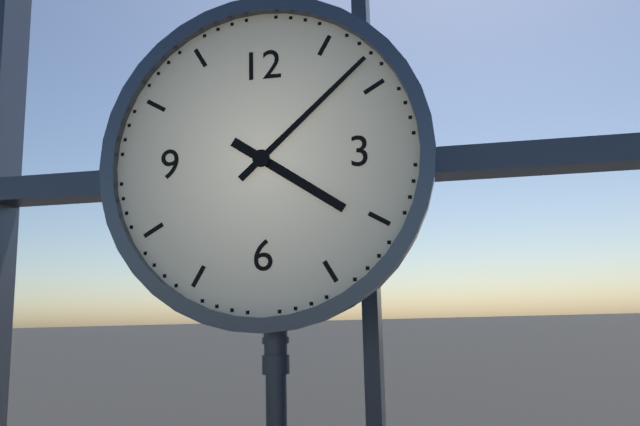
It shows 4.08
